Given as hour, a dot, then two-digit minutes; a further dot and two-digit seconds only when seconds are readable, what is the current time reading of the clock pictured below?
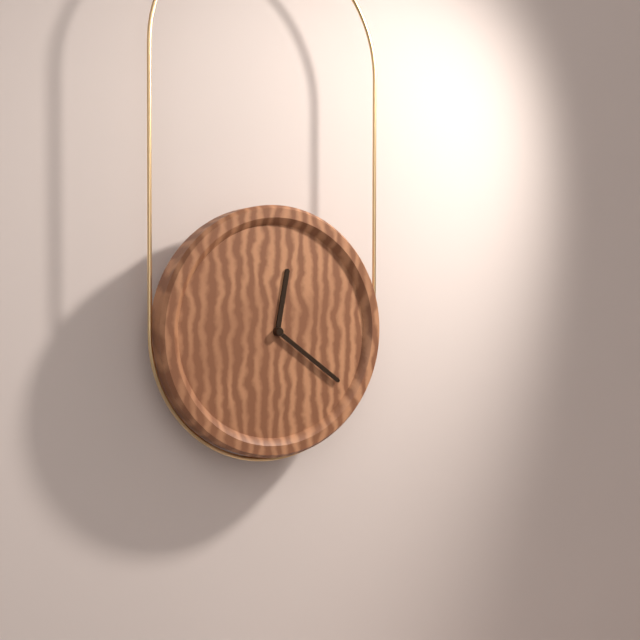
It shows 12.21
